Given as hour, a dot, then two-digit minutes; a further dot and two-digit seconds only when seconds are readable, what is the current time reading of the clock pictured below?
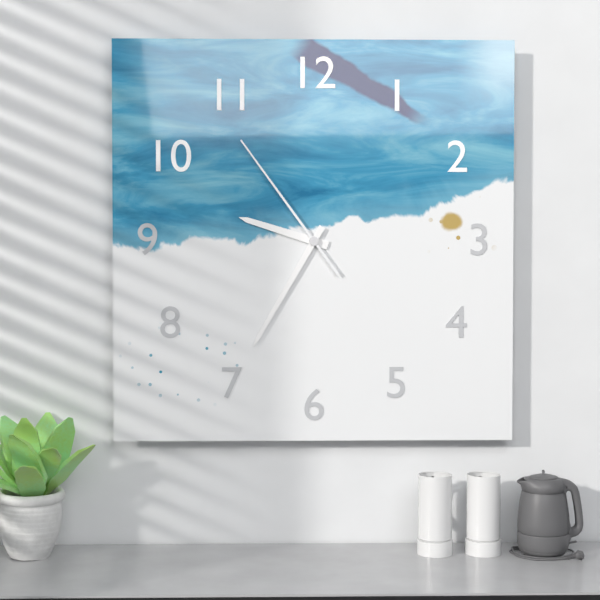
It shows 9.35.54
